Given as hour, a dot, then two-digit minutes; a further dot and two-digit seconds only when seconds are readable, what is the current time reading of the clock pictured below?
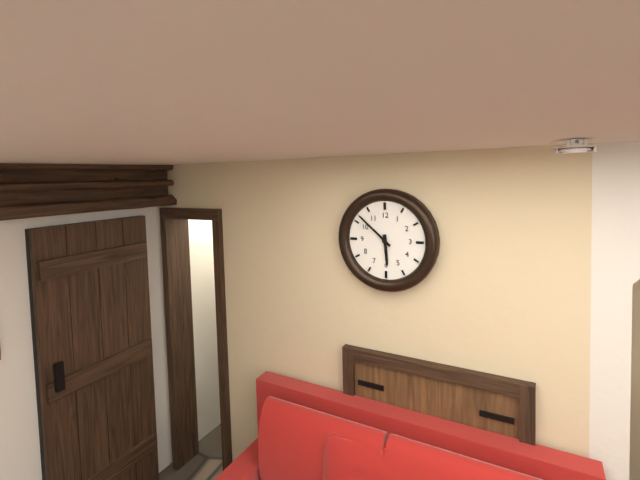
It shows 5.52
